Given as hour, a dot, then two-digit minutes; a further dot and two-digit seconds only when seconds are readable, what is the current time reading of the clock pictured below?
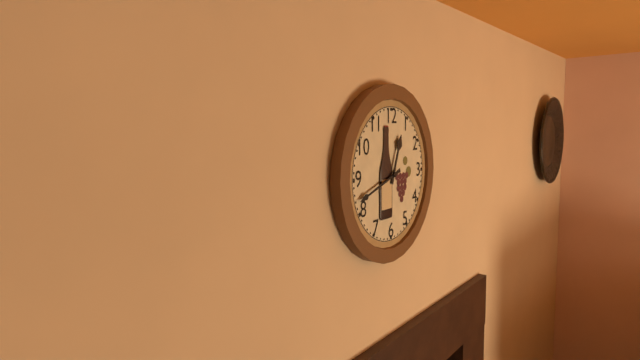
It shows 12.42
